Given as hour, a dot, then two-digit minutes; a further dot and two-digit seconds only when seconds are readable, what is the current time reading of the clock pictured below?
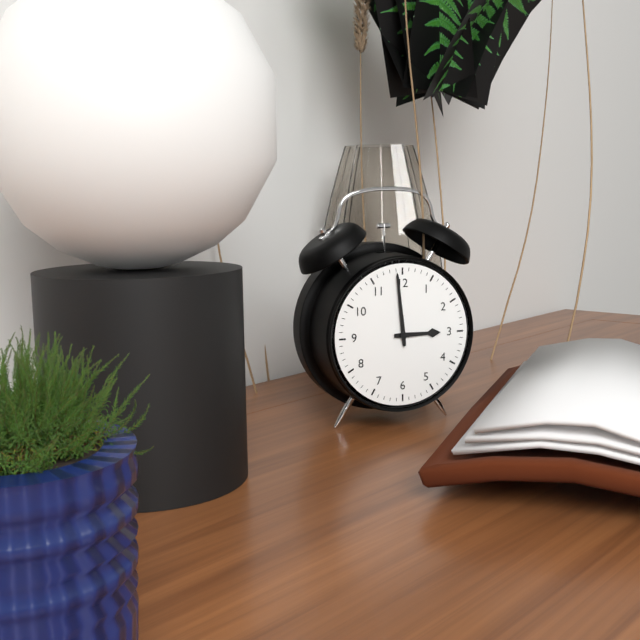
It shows 2.59
